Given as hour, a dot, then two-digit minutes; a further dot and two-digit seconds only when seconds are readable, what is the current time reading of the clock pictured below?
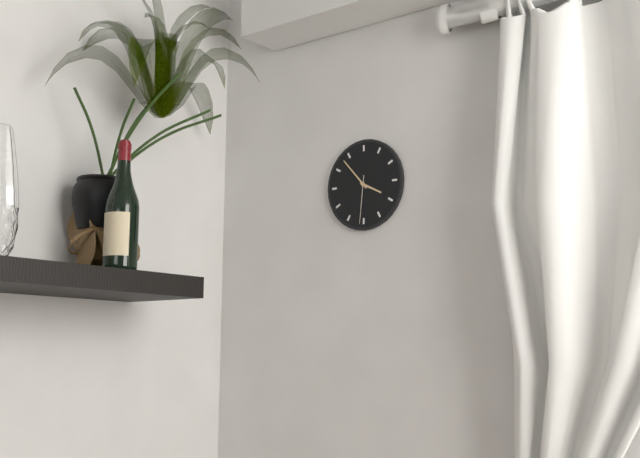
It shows 3.53
